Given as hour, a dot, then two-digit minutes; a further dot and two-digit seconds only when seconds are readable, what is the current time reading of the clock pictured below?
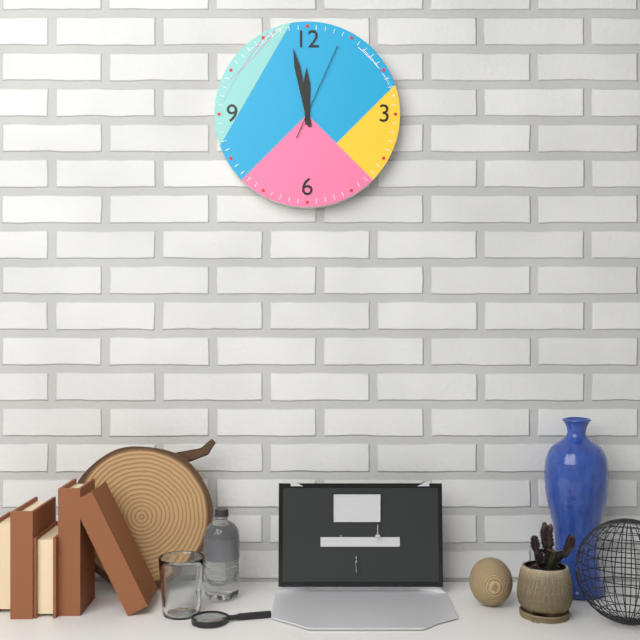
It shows 11.58.04
